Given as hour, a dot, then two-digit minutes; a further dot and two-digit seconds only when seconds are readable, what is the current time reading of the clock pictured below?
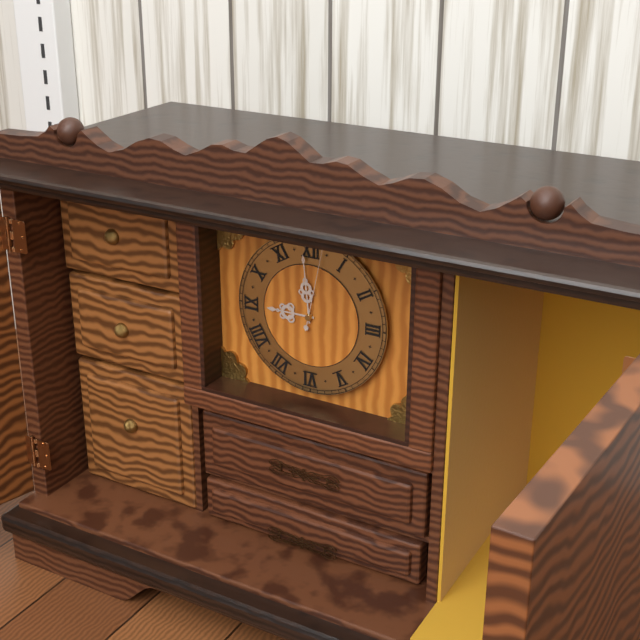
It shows 8.59.02
